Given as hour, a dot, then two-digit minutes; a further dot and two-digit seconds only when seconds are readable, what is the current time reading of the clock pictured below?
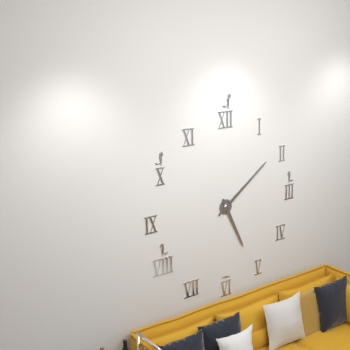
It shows 5.09
